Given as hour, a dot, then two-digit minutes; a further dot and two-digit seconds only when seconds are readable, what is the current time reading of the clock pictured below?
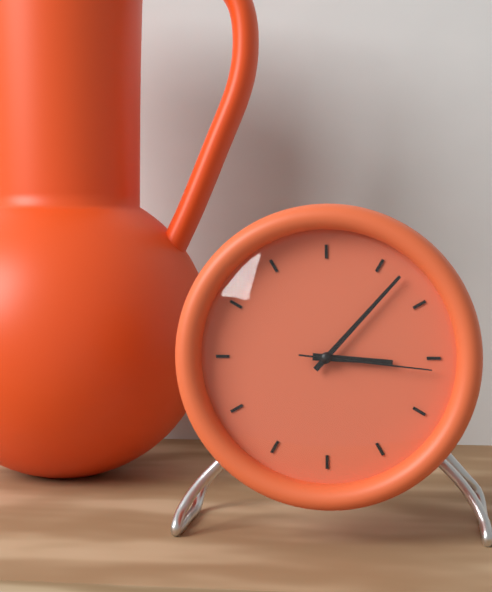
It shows 3.07.16
